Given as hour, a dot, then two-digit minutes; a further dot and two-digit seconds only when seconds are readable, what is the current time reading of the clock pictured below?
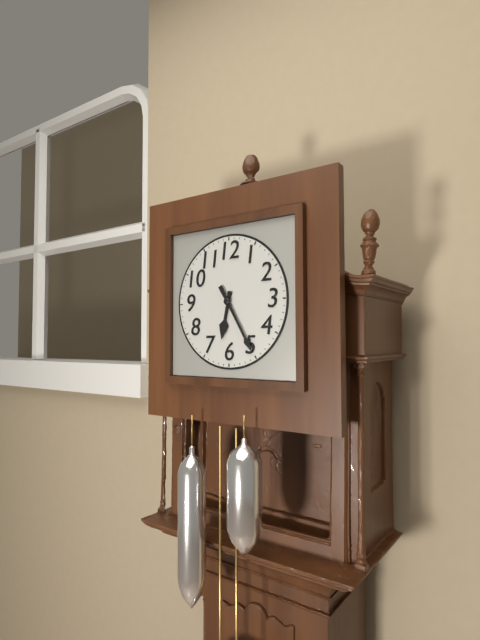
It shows 6.25
